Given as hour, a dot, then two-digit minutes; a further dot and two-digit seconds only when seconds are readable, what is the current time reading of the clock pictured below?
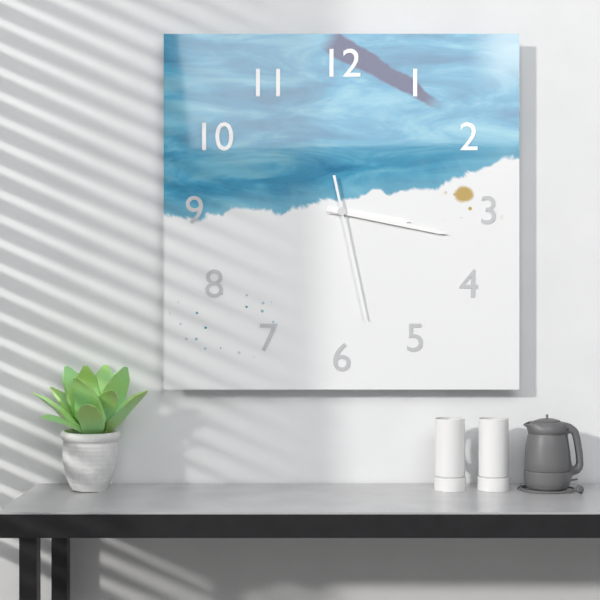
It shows 3.17.28
